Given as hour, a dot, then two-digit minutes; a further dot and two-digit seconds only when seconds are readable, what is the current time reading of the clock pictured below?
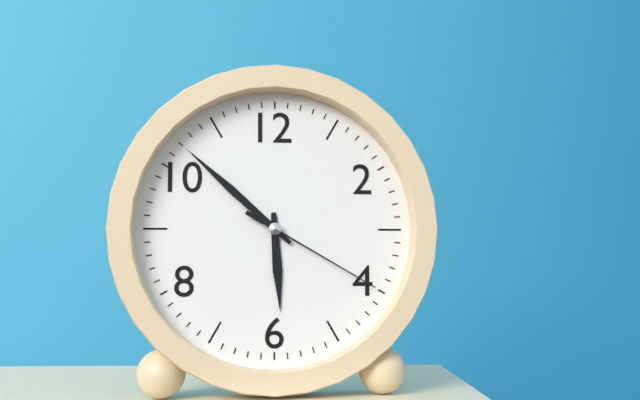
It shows 5.52.20
